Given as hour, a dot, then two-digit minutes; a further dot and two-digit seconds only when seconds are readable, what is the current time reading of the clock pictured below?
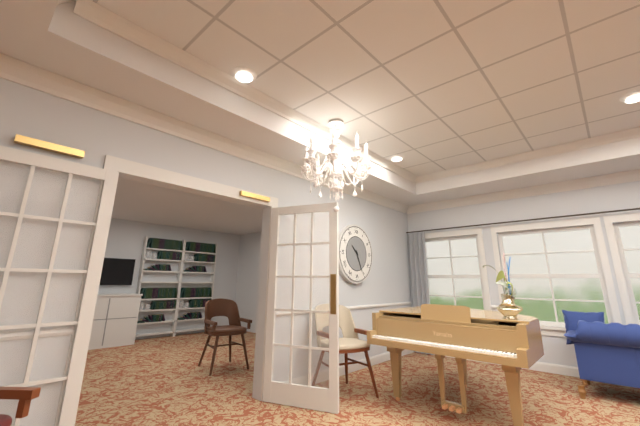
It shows 10.26
